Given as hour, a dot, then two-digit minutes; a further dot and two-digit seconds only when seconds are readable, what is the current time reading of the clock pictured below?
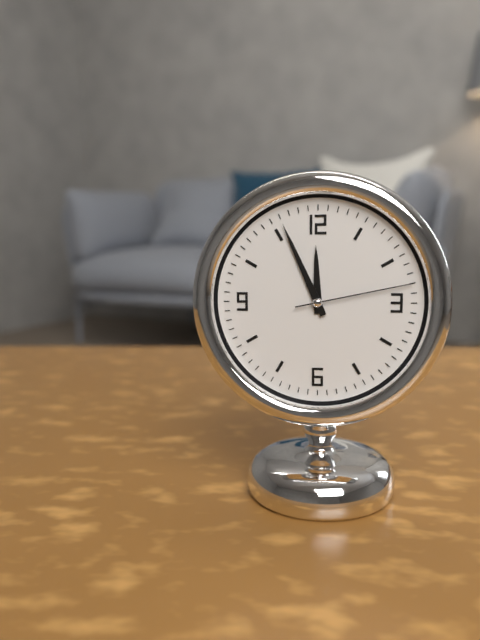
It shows 11.56.13
